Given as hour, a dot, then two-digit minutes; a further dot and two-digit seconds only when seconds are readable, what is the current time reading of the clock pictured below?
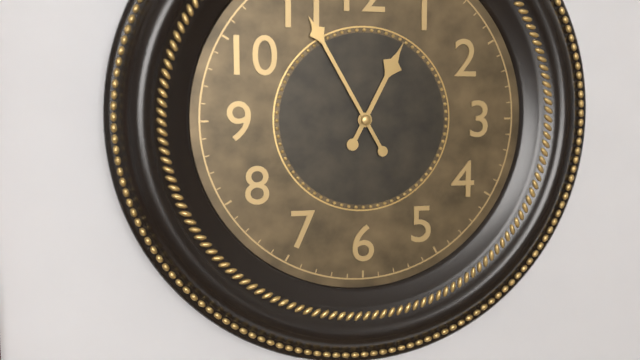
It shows 12.55
